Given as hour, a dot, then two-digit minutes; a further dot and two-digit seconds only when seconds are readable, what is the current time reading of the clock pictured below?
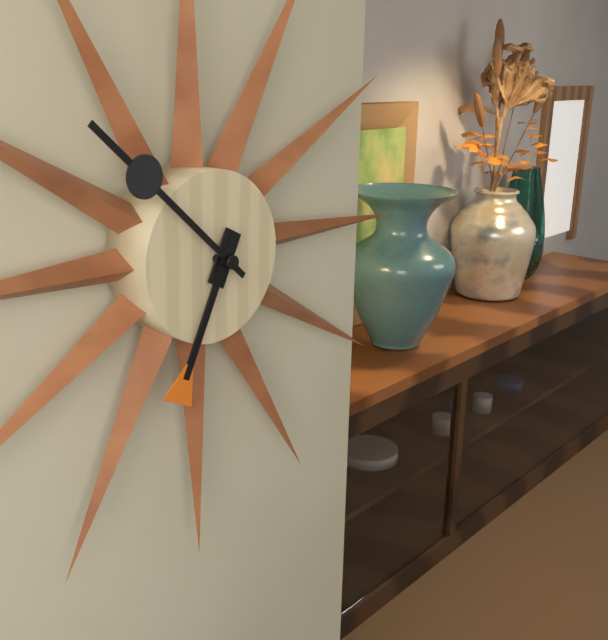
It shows 6.52
